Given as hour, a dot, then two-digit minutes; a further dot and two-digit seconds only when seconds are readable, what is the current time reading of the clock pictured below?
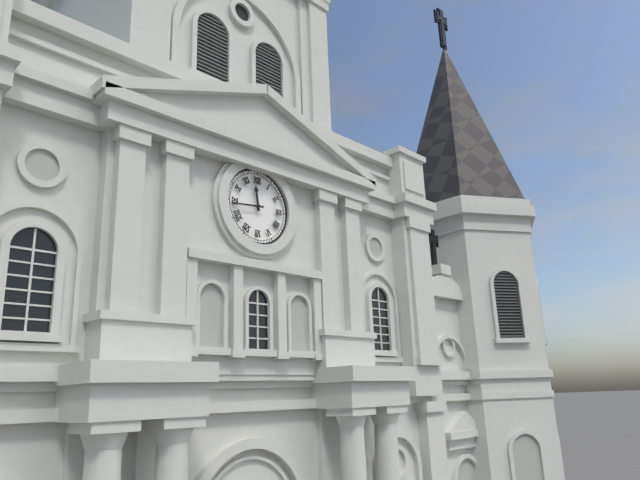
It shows 11.44
